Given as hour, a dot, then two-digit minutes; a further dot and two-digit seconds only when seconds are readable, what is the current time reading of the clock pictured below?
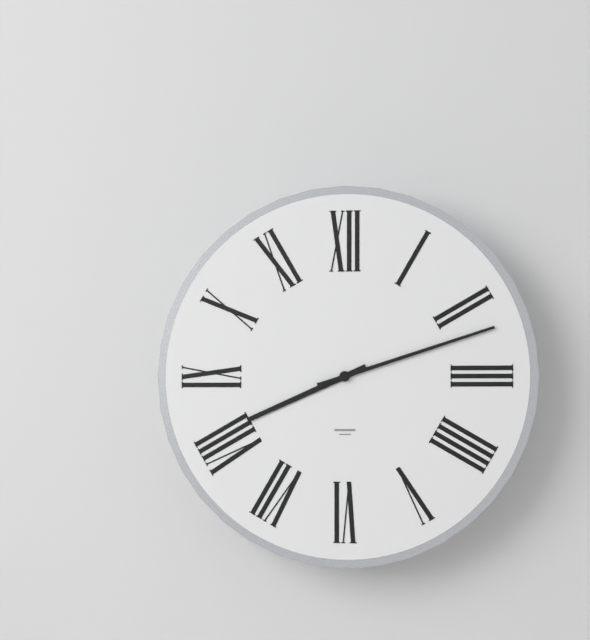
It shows 8.12
